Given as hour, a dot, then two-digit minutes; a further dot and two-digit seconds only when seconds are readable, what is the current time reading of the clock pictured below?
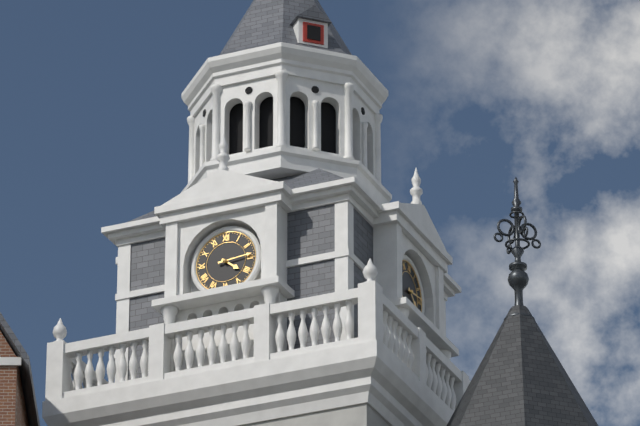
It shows 4.14
